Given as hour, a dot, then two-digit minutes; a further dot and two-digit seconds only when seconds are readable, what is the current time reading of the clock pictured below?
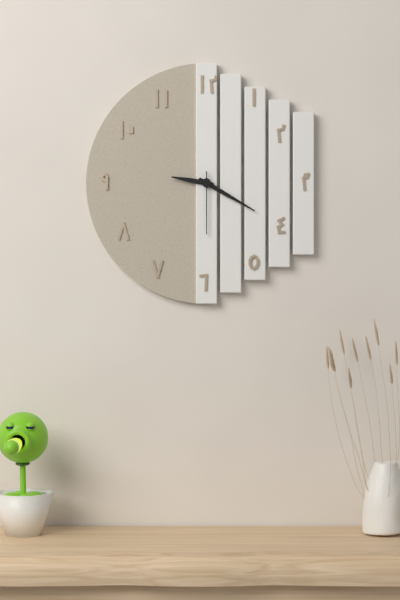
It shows 9.20.30
